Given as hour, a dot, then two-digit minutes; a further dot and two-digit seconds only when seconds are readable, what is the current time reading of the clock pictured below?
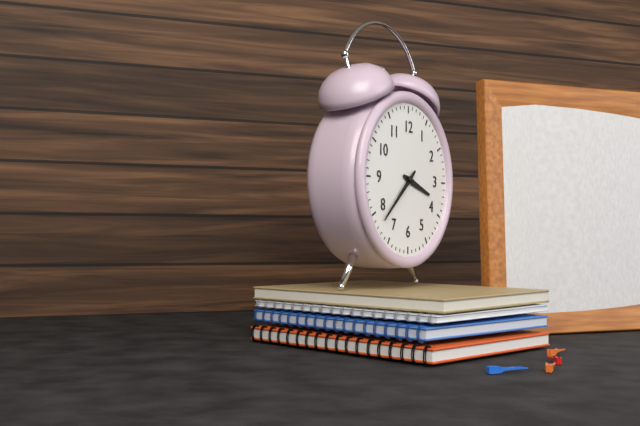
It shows 3.38
